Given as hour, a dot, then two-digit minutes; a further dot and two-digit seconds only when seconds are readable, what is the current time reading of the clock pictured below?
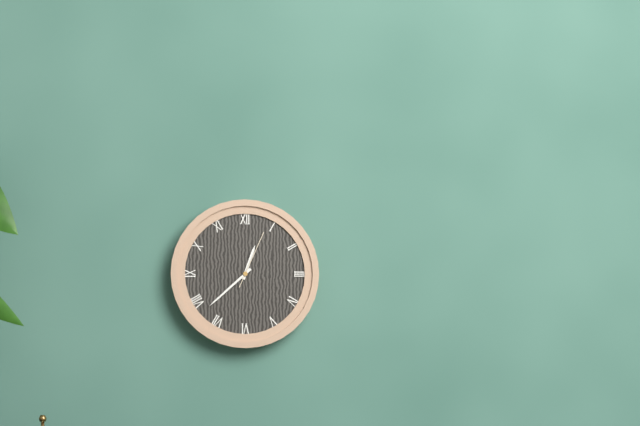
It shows 12.38.04
